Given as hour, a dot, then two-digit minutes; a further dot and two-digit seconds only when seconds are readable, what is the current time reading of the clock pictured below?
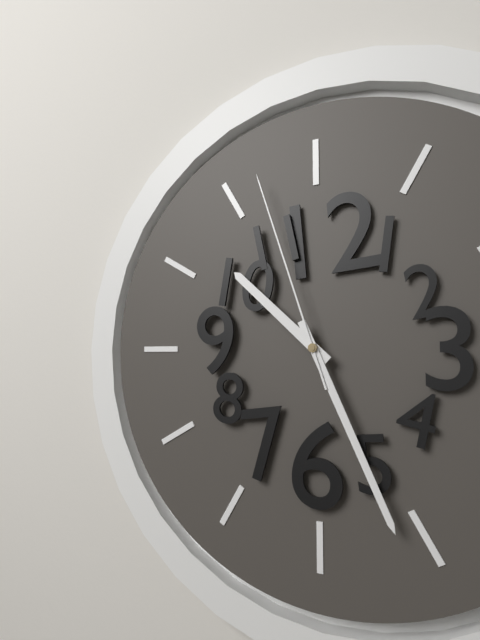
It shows 10.26.57
